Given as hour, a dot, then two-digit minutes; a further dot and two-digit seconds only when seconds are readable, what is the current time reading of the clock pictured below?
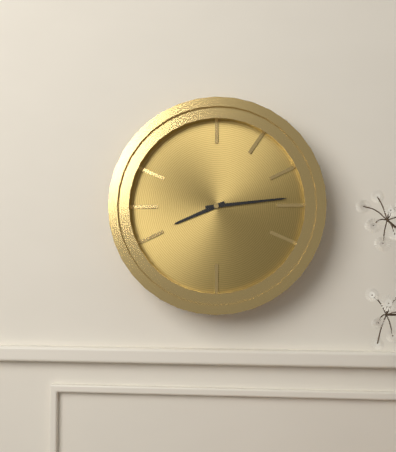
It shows 8.14
